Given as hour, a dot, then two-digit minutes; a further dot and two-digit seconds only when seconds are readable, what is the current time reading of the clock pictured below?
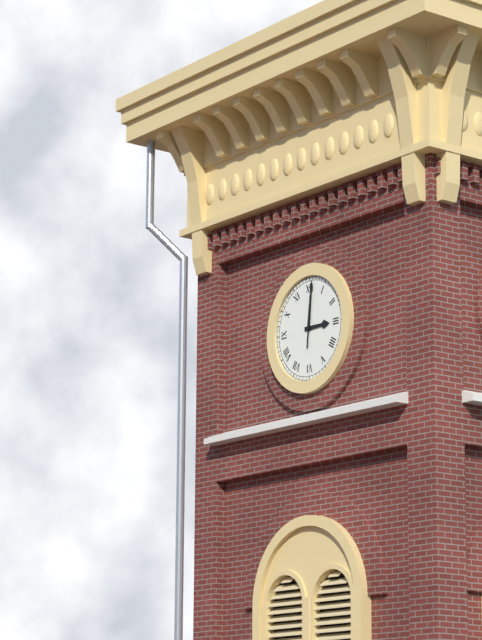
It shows 3.01
